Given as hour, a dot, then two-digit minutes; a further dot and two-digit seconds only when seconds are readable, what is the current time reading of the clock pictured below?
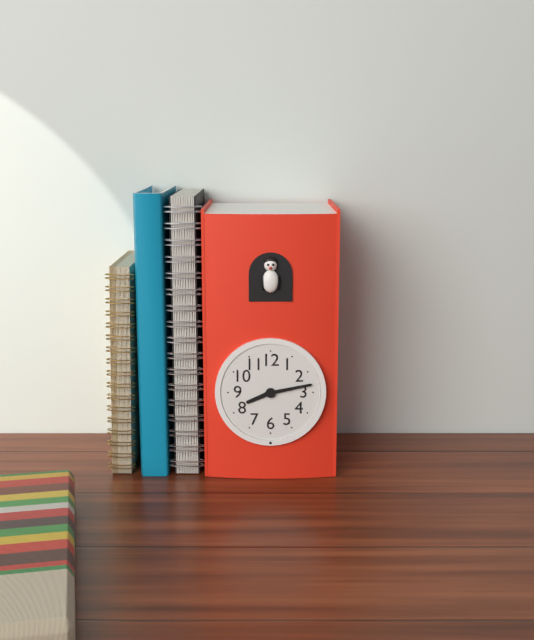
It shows 8.13
